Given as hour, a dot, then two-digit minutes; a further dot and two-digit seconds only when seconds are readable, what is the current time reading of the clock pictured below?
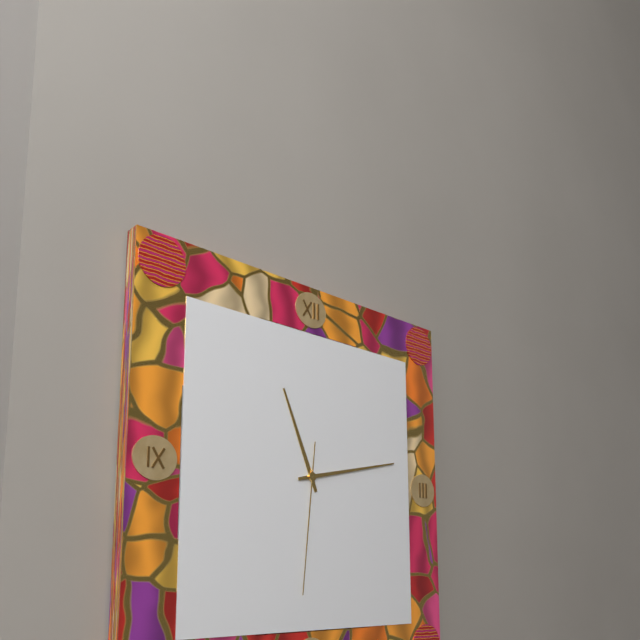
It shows 11.13.31
